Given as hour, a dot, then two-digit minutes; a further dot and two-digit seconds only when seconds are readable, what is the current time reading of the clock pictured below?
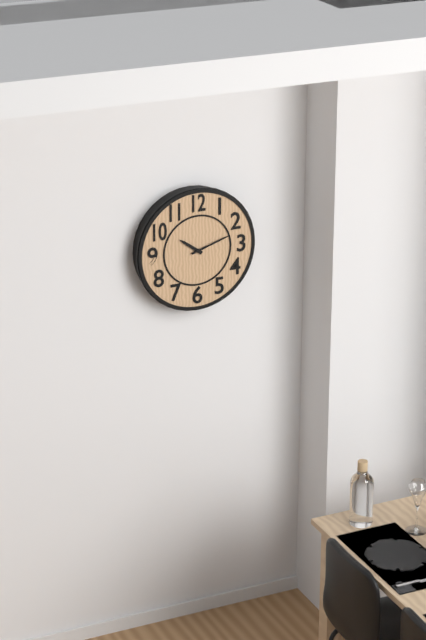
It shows 10.12
